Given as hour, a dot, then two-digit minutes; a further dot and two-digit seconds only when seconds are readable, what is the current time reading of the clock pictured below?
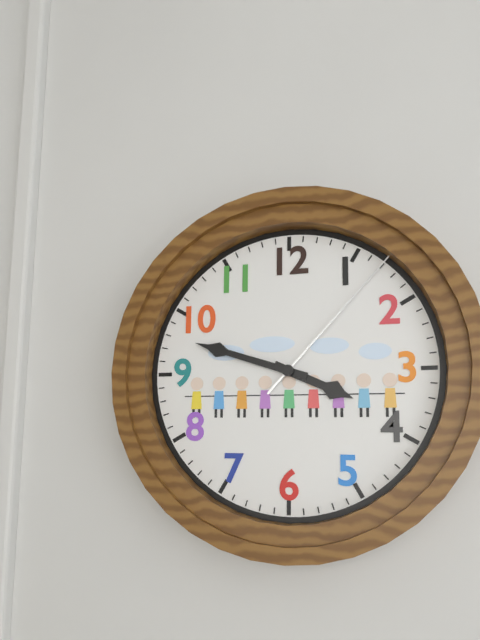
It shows 3.48.07
